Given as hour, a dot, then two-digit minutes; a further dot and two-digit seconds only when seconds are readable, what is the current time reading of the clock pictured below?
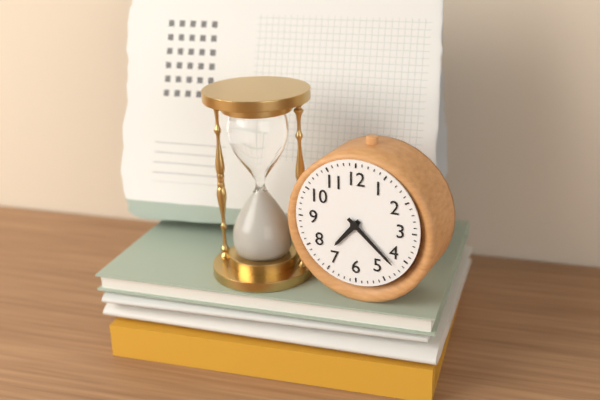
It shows 7.22
